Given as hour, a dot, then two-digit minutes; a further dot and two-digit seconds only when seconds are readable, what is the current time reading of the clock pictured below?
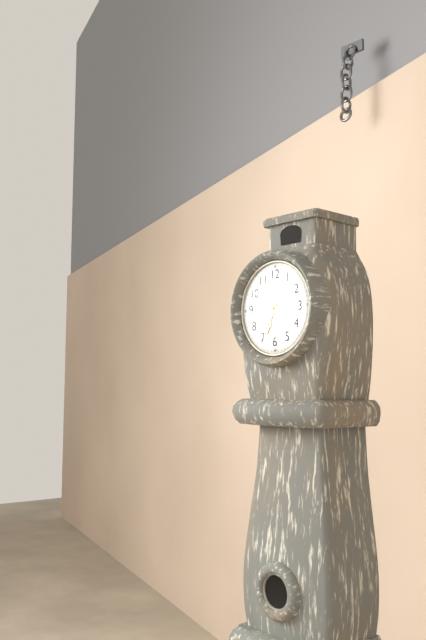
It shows 6.48
